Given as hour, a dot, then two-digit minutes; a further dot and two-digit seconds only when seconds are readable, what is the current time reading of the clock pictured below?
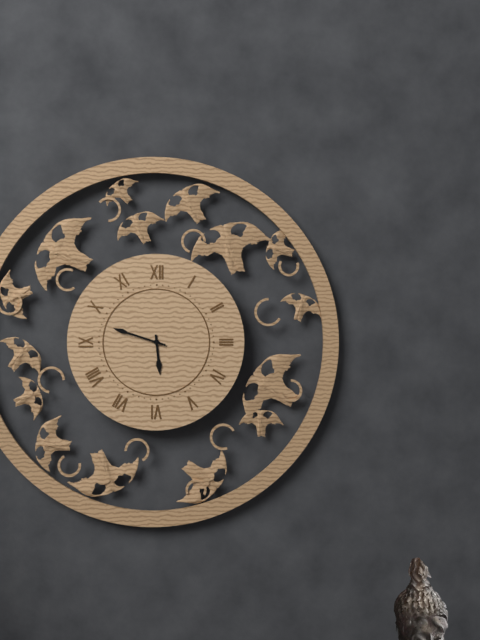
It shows 5.48
